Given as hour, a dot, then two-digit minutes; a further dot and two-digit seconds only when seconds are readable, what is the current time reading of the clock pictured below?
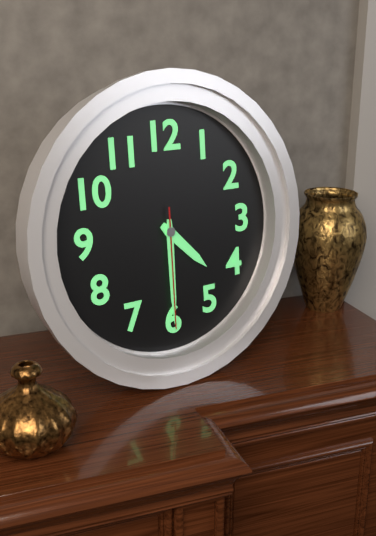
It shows 4.30.30
